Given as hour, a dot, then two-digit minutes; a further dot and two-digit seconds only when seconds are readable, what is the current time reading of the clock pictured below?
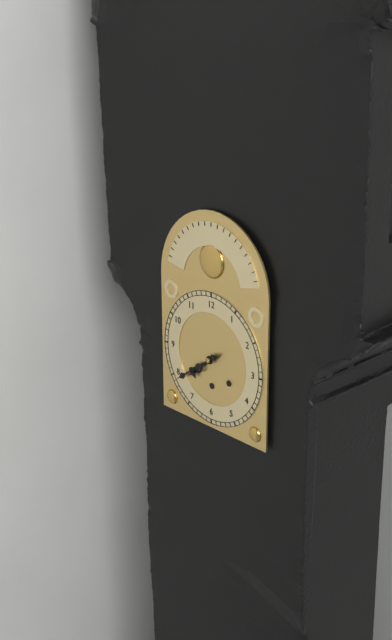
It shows 7.39
